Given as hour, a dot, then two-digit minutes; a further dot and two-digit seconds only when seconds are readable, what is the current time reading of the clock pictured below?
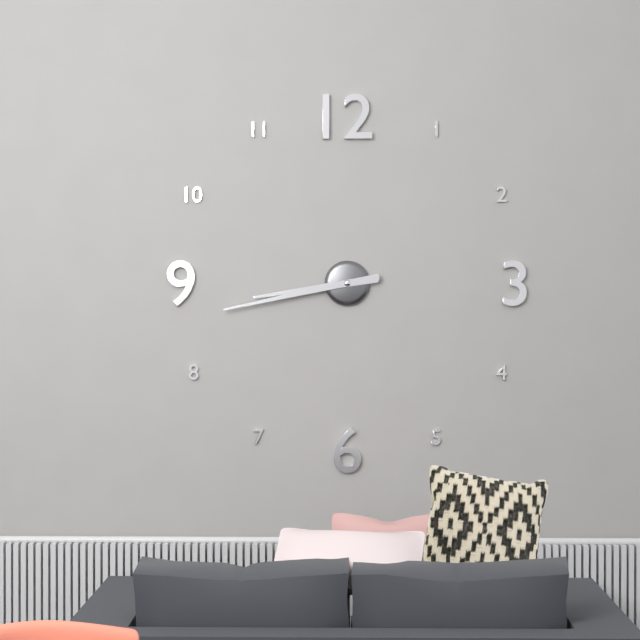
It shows 8.43
